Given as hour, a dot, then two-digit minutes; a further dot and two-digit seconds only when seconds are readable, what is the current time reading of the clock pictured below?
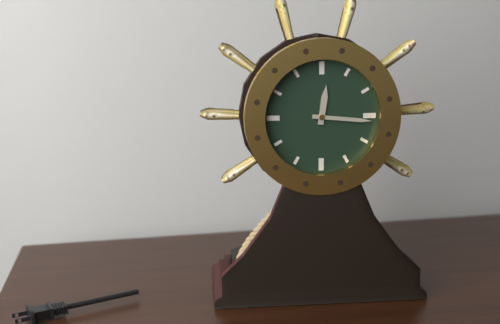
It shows 12.16
